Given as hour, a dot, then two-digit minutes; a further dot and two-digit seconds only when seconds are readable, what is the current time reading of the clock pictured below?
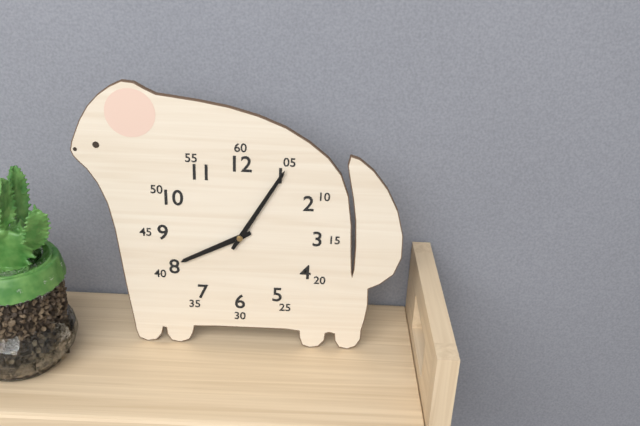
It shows 8.05
